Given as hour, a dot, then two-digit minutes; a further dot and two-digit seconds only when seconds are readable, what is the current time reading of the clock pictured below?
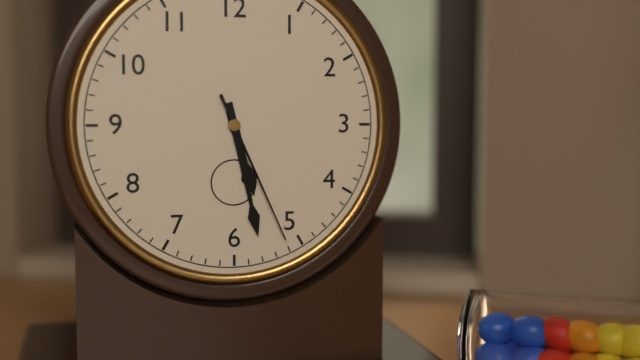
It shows 5.28.26
